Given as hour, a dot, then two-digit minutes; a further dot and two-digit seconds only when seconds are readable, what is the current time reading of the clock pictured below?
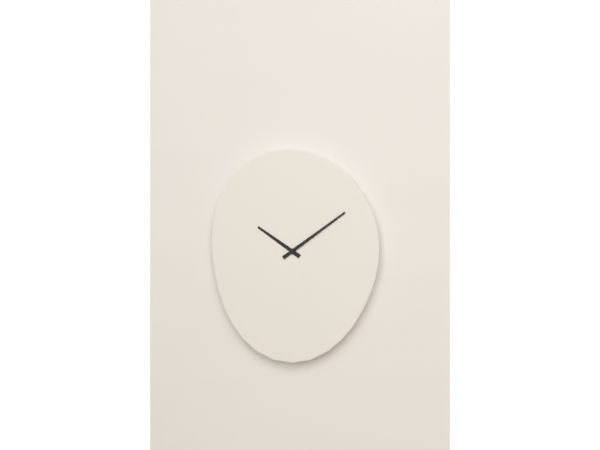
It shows 10.09
